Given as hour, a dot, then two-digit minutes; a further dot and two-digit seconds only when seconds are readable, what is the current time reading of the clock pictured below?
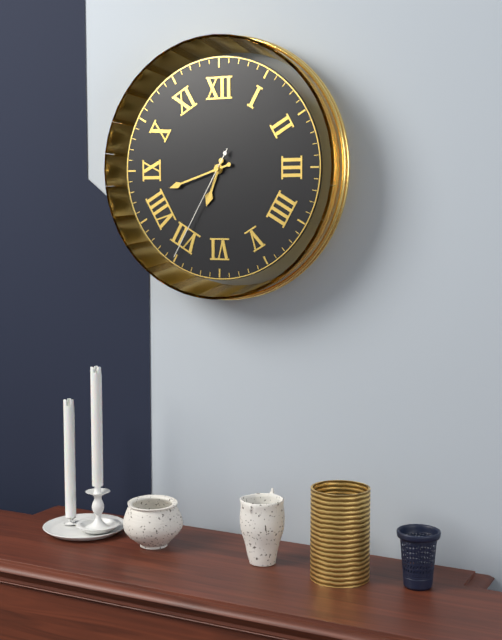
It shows 6.42.35
